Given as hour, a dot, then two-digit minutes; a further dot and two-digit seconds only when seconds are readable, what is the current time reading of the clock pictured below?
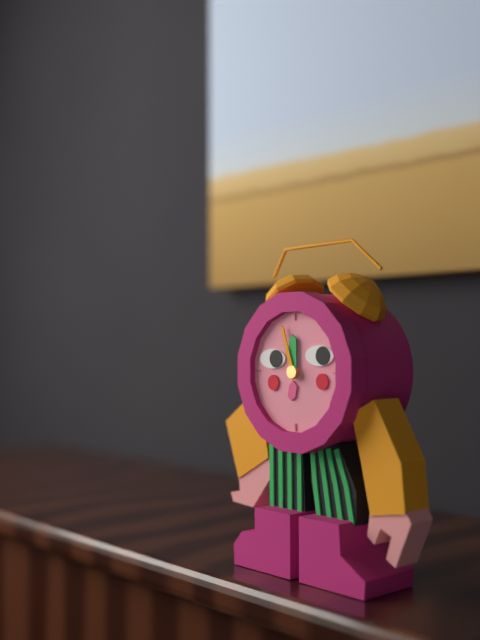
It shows 11.57
